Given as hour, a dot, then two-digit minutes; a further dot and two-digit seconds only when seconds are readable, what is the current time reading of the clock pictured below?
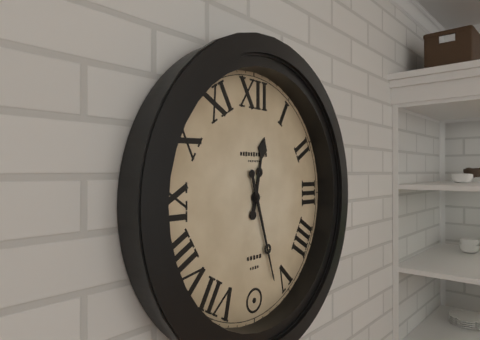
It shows 12.27
